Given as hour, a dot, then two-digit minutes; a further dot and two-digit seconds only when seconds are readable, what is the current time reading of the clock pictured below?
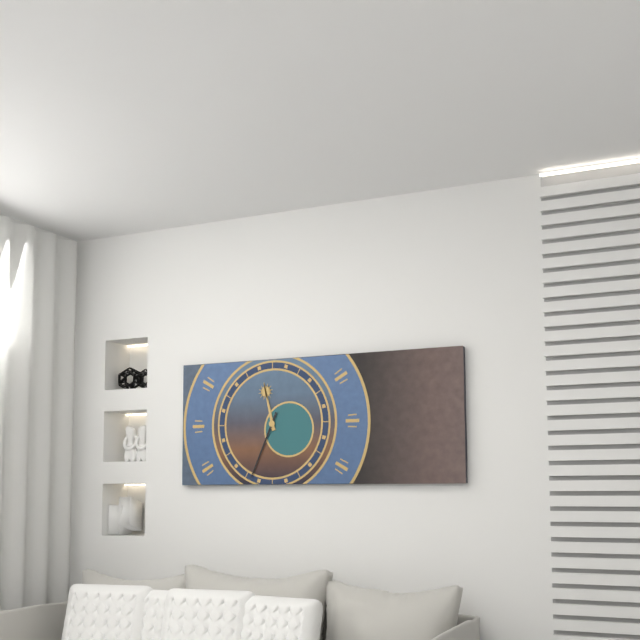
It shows 11.34
